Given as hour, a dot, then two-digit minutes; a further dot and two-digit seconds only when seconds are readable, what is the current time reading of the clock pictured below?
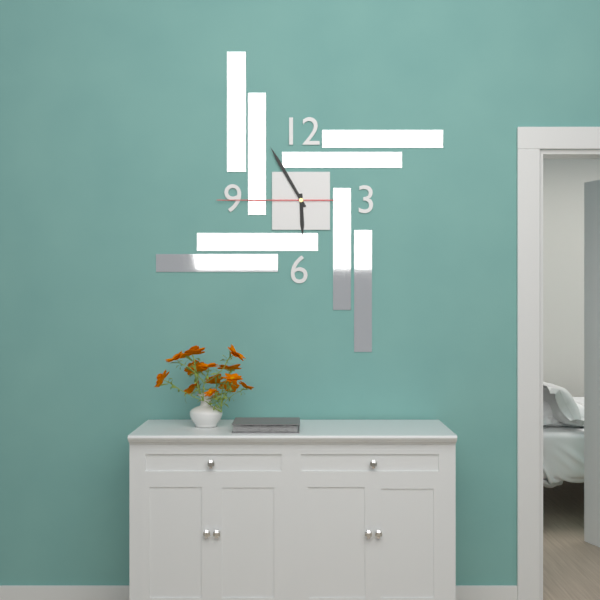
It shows 5.55.45
